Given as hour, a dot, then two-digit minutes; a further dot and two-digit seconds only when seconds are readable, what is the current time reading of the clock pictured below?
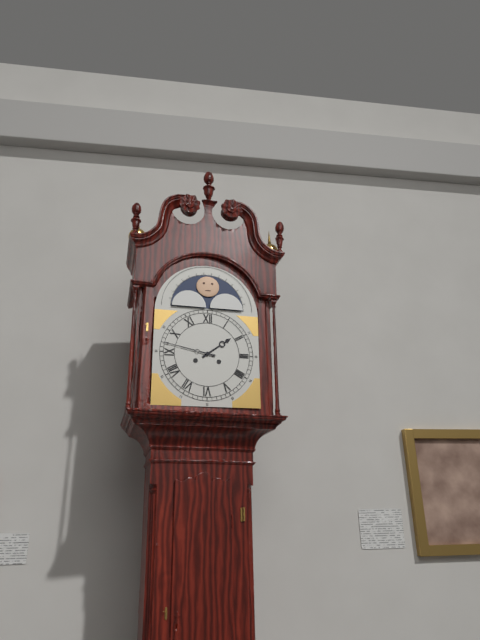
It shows 1.47
